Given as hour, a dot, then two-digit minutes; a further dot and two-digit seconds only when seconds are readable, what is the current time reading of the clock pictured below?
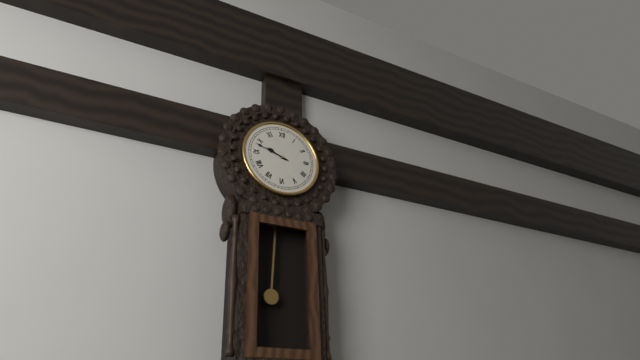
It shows 9.48
